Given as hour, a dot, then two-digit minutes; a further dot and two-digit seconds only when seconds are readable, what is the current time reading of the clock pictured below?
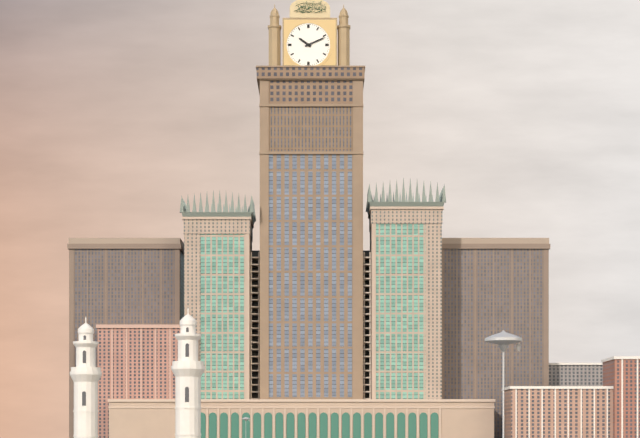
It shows 10.11
